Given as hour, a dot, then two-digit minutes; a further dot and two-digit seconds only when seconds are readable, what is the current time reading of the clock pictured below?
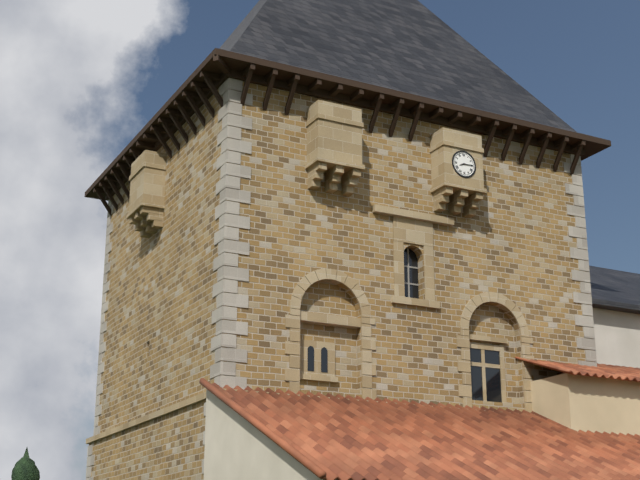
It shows 8.15
